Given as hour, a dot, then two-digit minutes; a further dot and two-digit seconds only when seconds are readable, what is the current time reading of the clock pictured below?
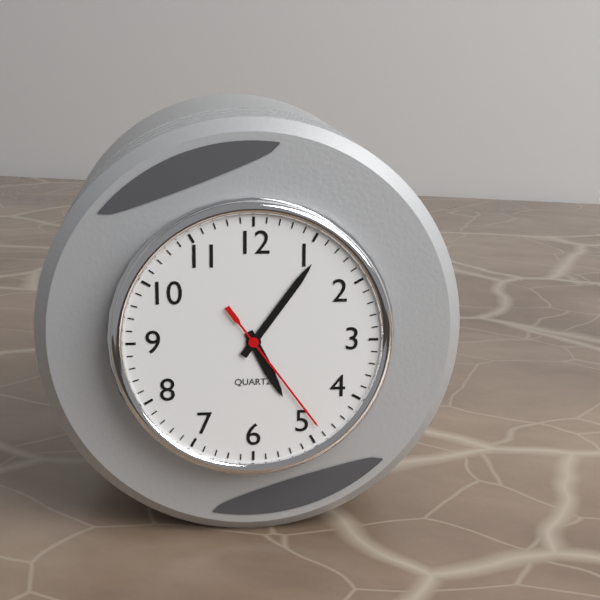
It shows 5.06.24
